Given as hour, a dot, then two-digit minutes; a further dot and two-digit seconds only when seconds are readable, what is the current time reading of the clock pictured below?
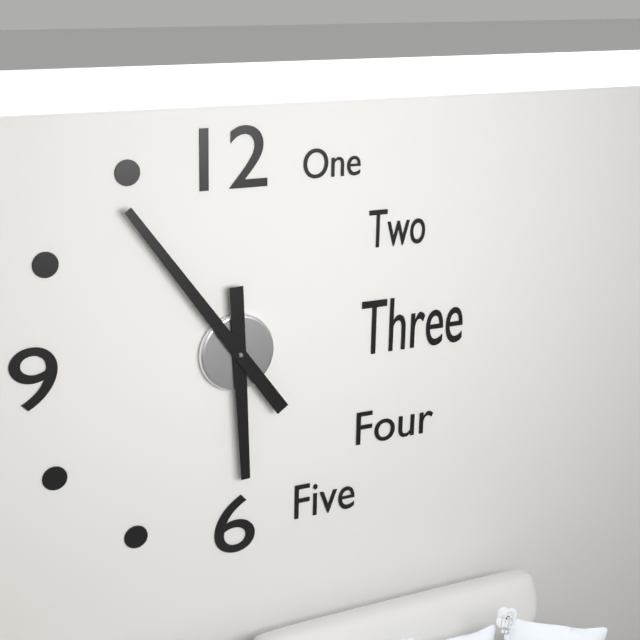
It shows 5.54
